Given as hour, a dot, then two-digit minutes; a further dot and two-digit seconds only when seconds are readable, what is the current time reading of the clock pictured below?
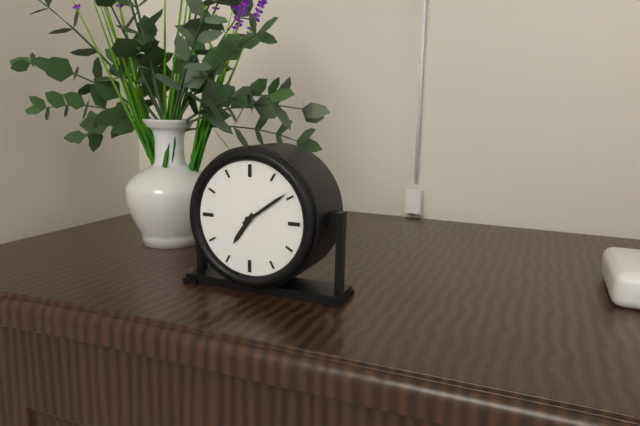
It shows 7.09
